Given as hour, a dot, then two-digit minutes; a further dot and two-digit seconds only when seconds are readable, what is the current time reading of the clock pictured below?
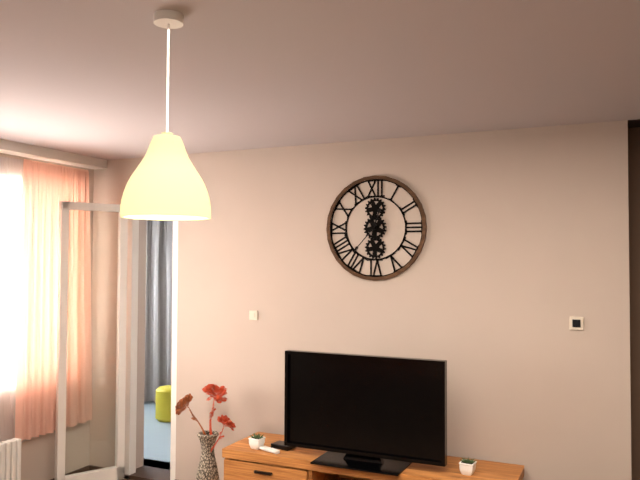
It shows 12.37
